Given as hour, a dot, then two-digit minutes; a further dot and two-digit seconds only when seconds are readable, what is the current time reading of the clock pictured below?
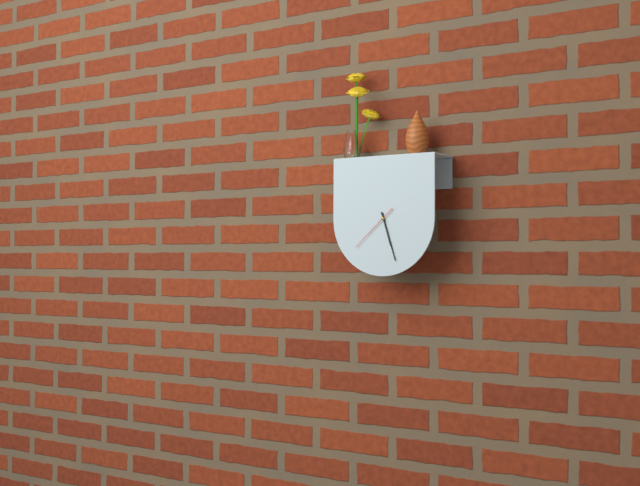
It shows 5.27
